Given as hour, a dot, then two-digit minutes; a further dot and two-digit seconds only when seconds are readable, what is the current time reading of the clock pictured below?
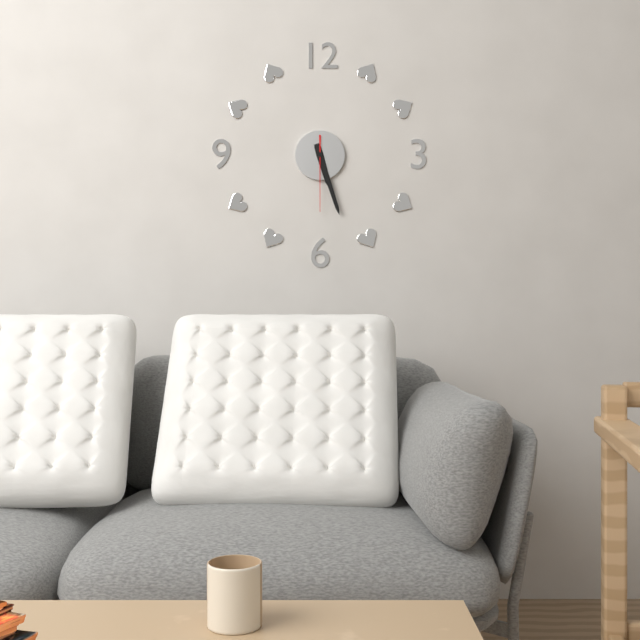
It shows 5.27.30
